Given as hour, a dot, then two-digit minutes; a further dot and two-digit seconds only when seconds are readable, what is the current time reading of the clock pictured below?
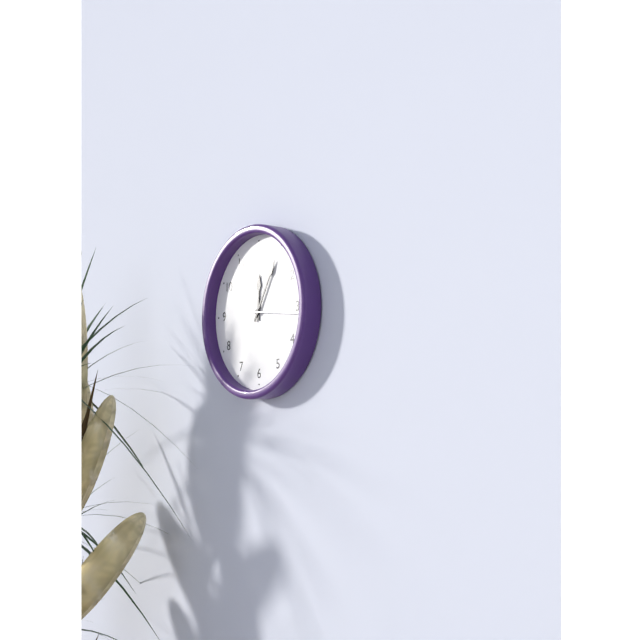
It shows 12.05.16
